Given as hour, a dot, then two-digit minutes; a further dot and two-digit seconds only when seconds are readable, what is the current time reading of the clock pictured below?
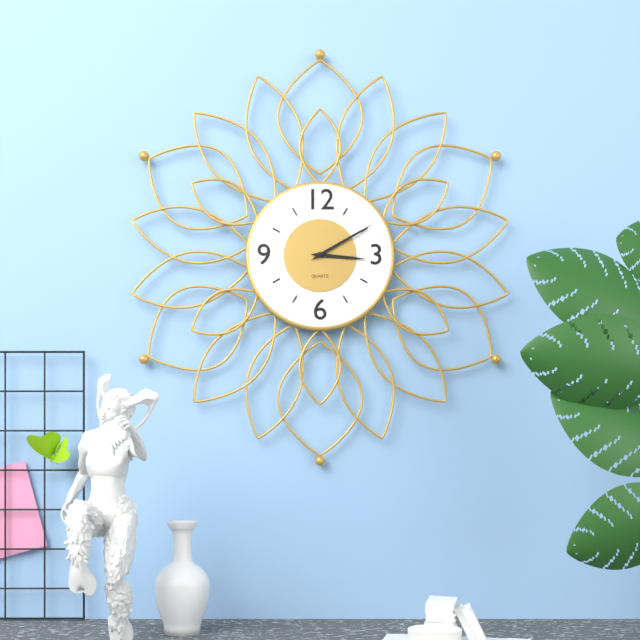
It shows 3.10
